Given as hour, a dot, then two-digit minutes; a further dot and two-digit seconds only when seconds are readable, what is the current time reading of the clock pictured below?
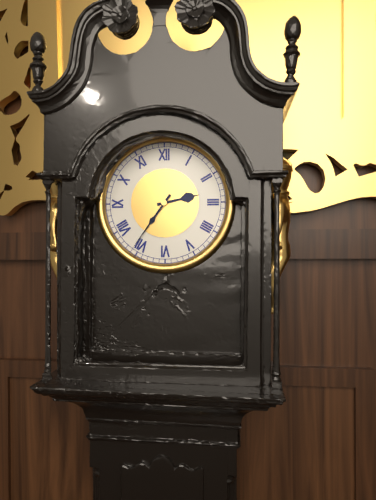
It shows 2.36
